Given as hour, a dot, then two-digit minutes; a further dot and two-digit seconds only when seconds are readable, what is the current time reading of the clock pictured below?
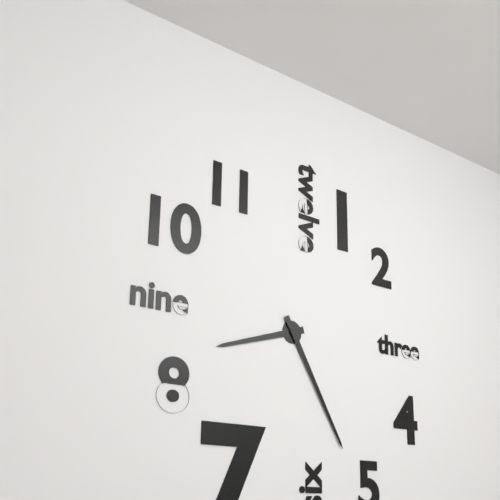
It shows 8.25
